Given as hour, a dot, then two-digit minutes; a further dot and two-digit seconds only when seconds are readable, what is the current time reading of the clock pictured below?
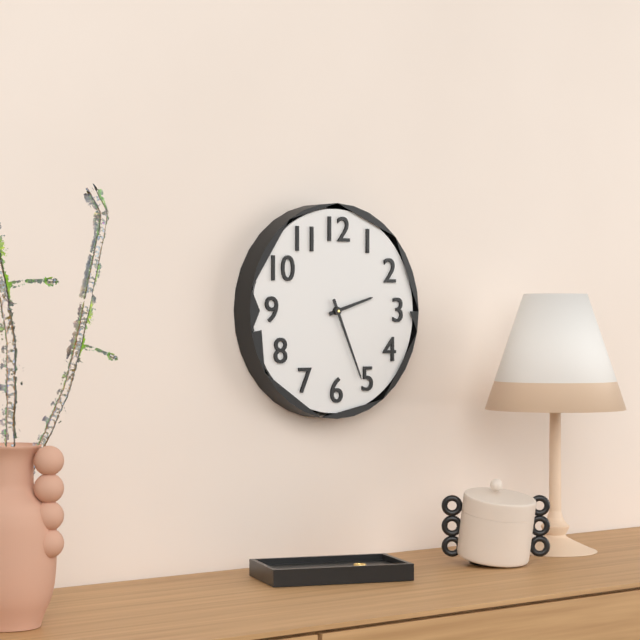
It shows 2.26
